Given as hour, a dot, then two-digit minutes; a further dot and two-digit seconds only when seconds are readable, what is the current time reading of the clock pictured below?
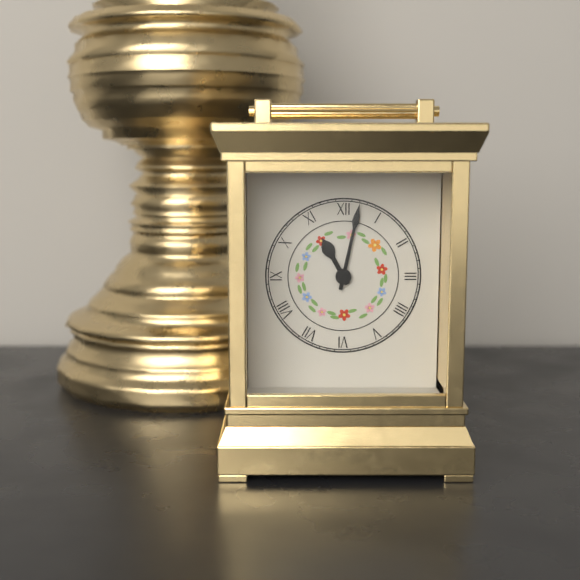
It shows 11.02
